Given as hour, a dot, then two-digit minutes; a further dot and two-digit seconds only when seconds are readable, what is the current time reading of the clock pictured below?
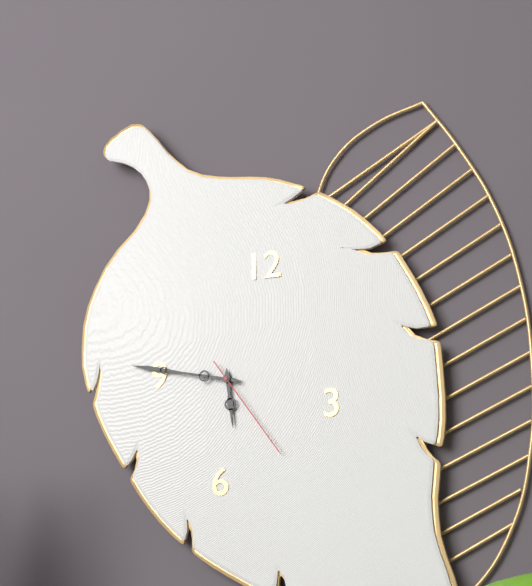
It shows 5.47.24
